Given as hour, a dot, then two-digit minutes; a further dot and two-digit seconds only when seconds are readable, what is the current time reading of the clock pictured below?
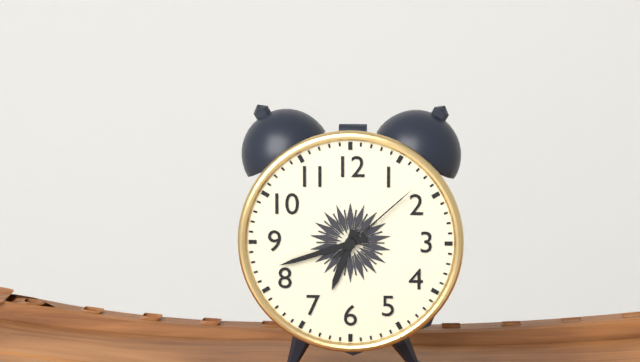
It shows 6.42.08
